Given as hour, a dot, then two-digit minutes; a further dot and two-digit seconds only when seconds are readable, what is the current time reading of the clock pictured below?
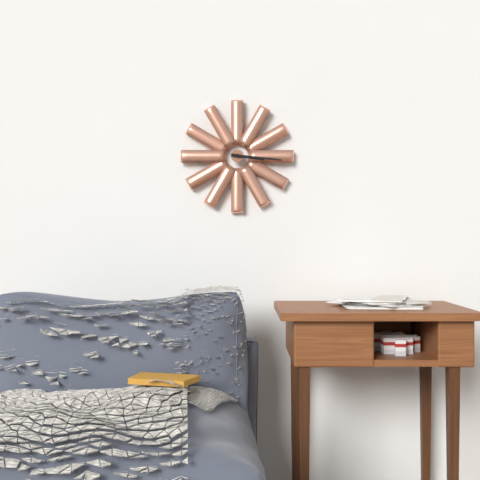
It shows 3.16
